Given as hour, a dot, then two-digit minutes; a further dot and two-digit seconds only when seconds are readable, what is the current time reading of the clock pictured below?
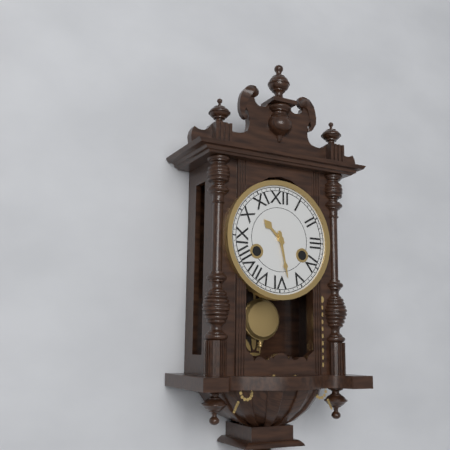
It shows 10.28
